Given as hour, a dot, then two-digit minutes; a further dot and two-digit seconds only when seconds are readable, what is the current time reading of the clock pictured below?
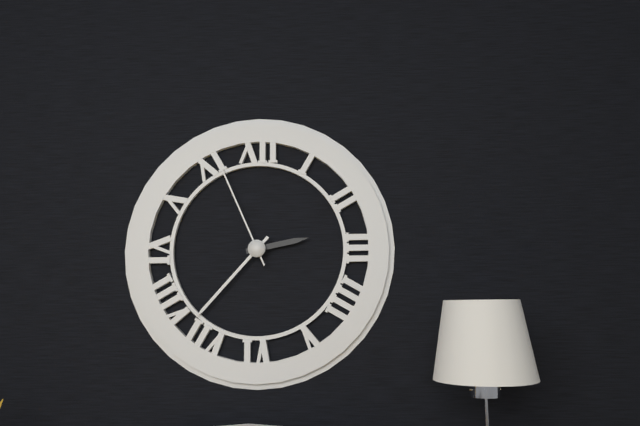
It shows 2.37.56
